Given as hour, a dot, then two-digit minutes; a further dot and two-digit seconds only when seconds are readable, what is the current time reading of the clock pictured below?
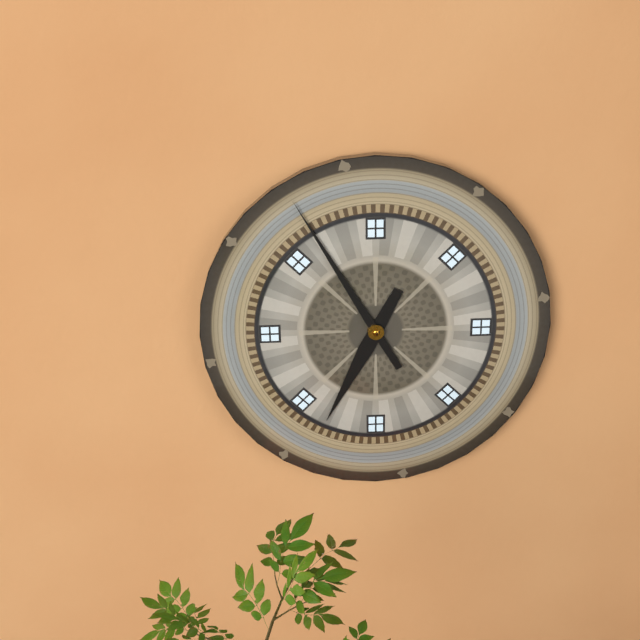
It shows 6.55
